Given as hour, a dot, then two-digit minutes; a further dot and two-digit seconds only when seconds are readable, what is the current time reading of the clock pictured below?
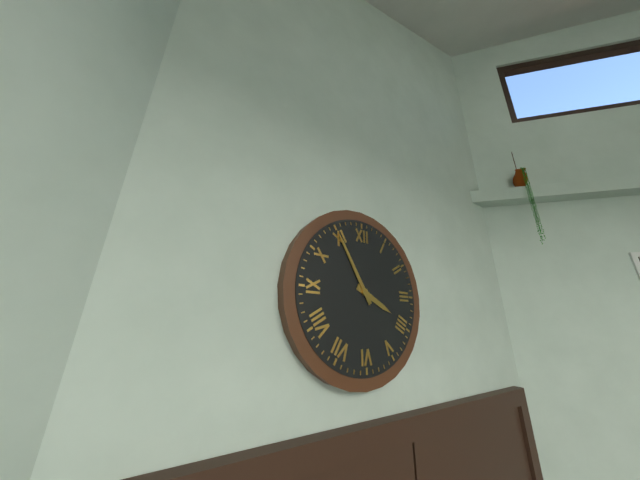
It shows 3.55
